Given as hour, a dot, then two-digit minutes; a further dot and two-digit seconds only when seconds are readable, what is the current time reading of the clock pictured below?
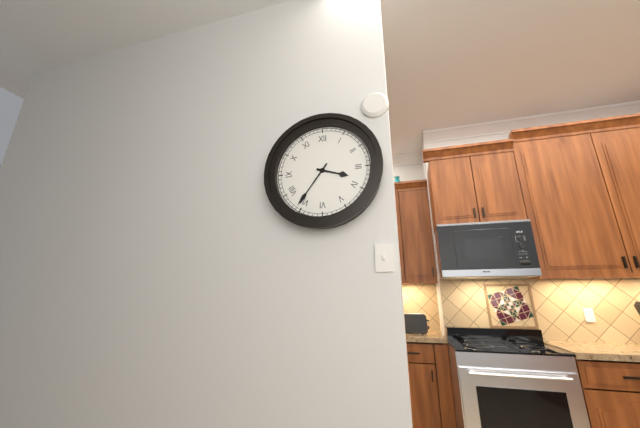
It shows 3.36
